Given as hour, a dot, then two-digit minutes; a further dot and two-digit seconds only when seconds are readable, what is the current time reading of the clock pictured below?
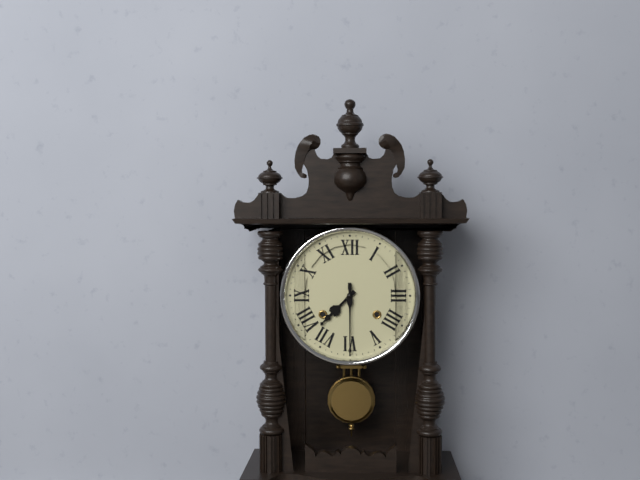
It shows 7.30
